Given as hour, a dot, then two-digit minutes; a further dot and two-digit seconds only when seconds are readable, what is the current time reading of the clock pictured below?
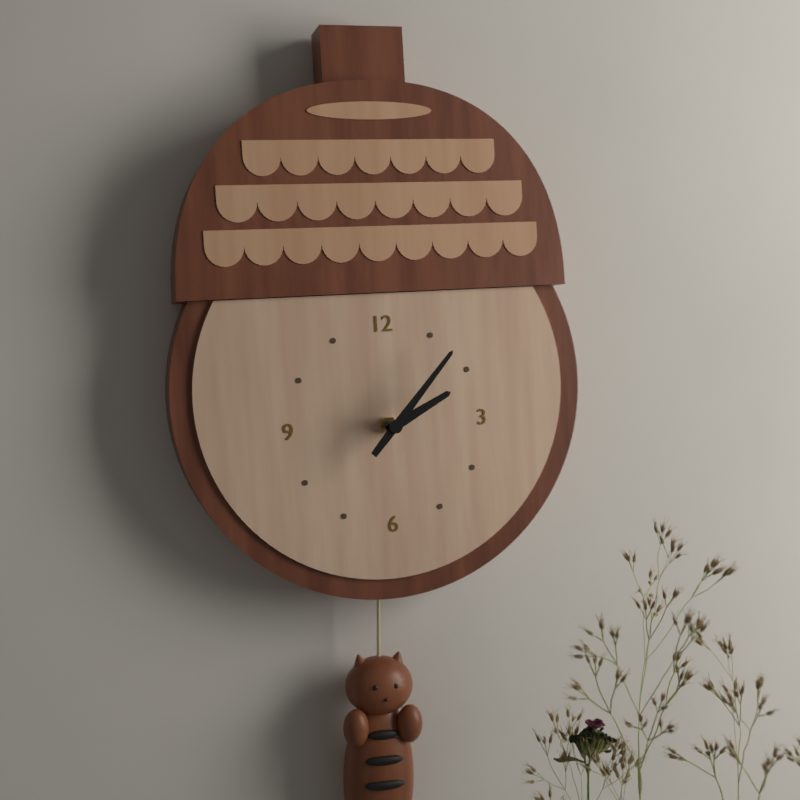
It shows 2.07
